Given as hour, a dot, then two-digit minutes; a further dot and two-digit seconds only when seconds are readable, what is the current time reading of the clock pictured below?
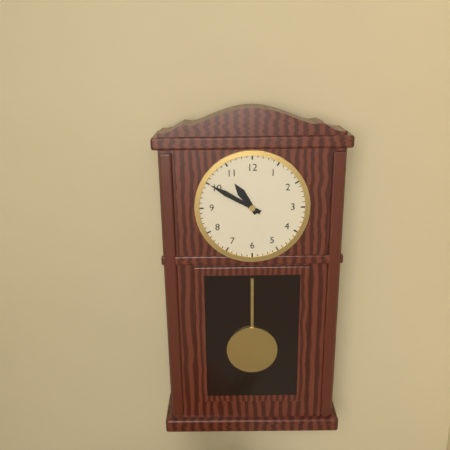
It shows 10.50
